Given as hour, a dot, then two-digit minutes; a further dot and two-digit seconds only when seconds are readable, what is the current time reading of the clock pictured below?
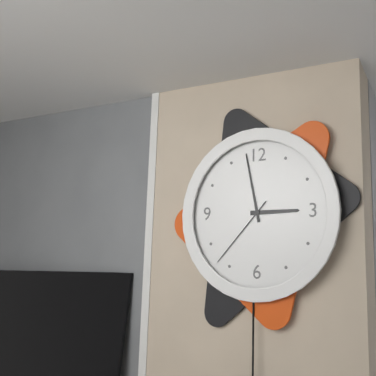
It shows 2.58.37
